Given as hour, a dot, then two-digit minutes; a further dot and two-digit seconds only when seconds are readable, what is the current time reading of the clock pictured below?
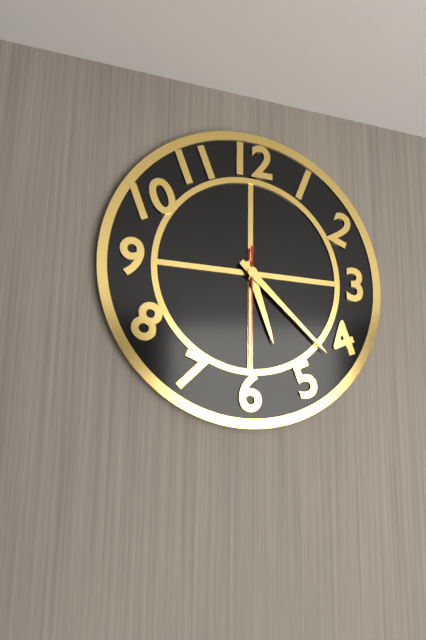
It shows 5.22.30
